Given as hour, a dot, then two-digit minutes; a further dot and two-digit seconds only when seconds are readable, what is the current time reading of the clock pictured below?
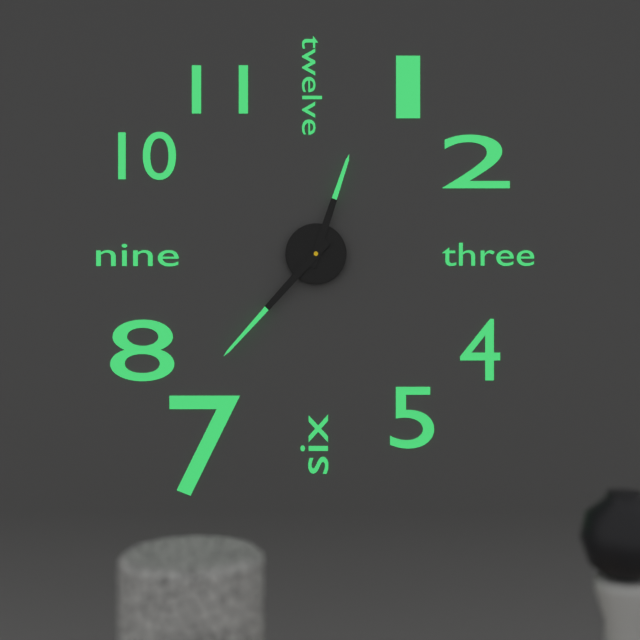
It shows 12.37
